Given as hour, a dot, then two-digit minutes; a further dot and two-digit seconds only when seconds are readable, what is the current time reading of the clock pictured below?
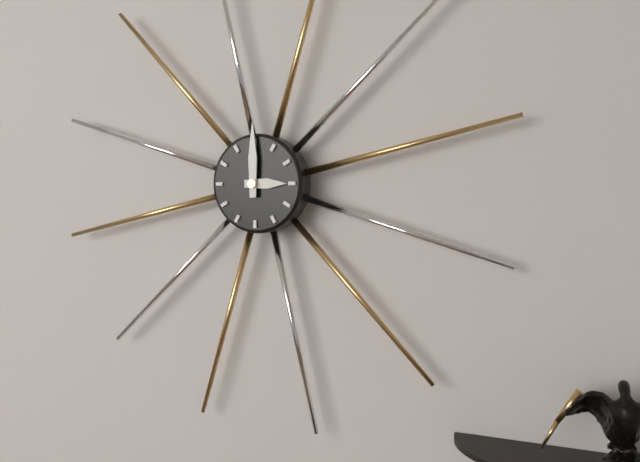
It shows 3.00
